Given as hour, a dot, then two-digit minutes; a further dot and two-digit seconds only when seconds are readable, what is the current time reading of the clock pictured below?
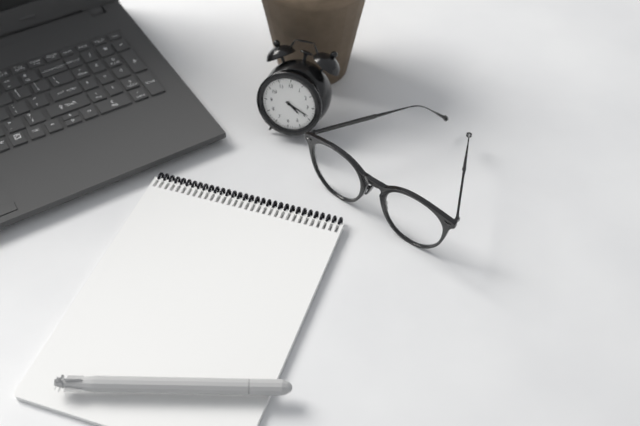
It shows 4.19
